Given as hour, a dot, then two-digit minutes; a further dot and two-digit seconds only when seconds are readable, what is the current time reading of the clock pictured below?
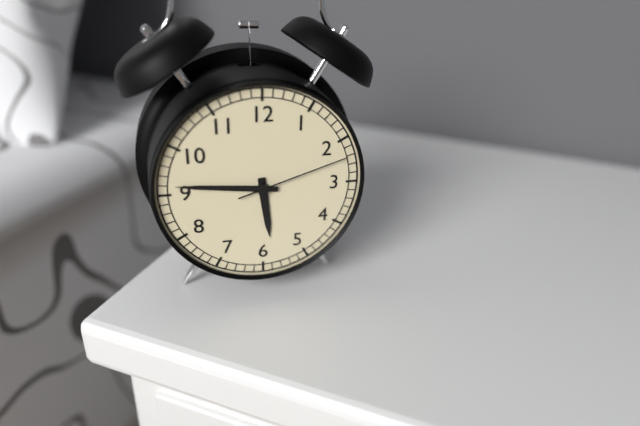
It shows 5.46.12
